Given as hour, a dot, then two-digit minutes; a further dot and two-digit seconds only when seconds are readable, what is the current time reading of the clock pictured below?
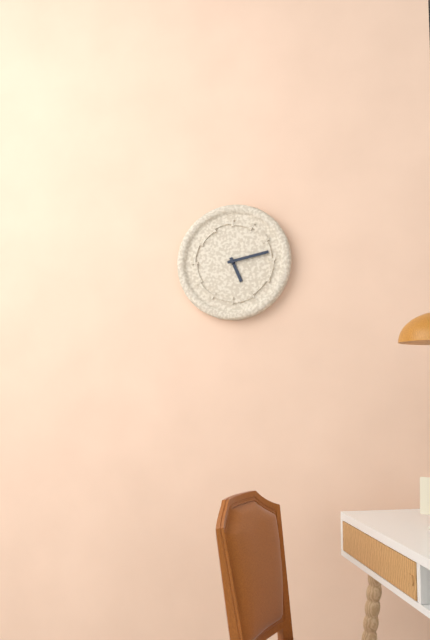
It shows 5.13
